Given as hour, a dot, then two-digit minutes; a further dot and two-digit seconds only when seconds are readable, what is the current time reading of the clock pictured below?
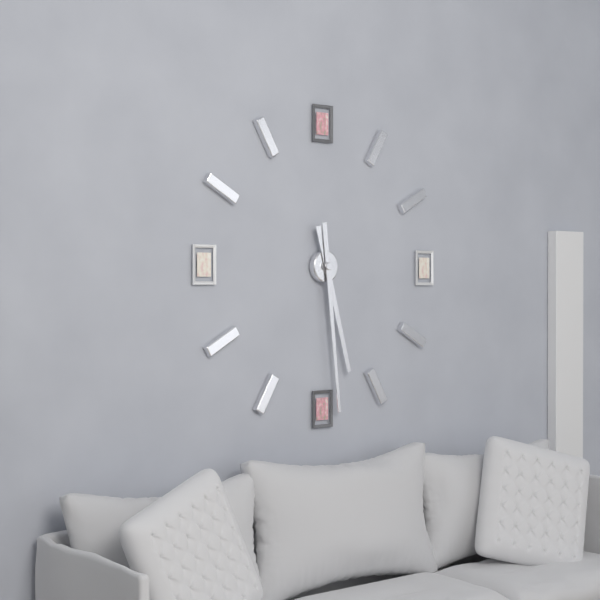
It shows 5.29
